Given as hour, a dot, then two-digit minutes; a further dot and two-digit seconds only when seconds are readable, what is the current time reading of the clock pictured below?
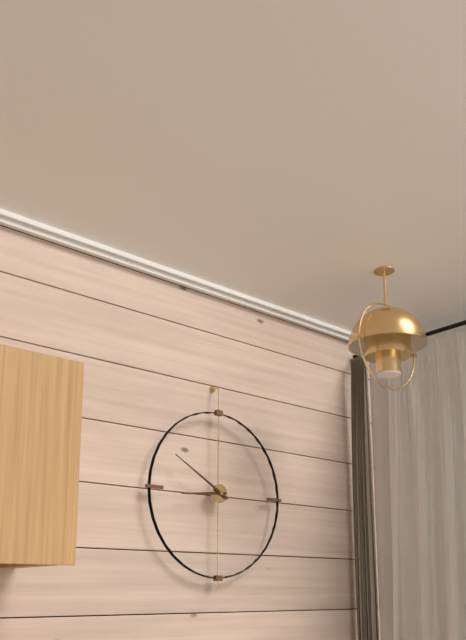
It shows 8.50
